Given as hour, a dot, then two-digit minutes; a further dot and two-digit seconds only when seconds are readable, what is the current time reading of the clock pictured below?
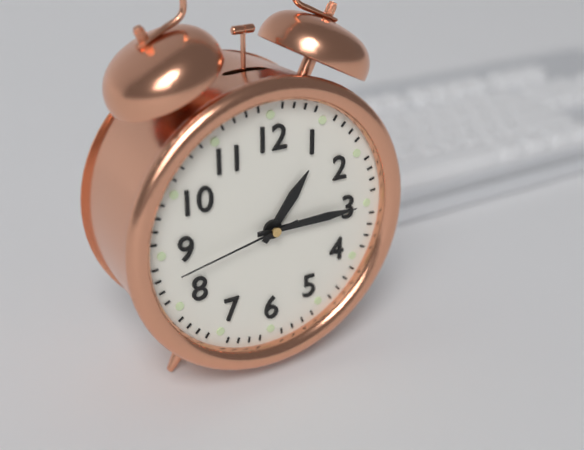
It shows 1.15.43
